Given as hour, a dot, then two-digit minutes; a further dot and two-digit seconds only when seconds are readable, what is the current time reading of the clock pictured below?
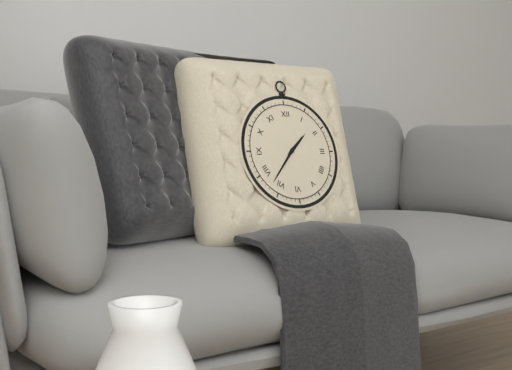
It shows 1.37
